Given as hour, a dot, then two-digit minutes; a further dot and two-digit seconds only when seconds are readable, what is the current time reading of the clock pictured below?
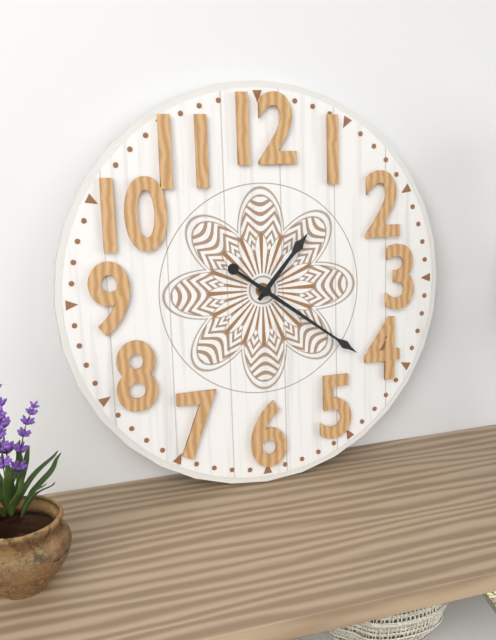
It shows 1.21
